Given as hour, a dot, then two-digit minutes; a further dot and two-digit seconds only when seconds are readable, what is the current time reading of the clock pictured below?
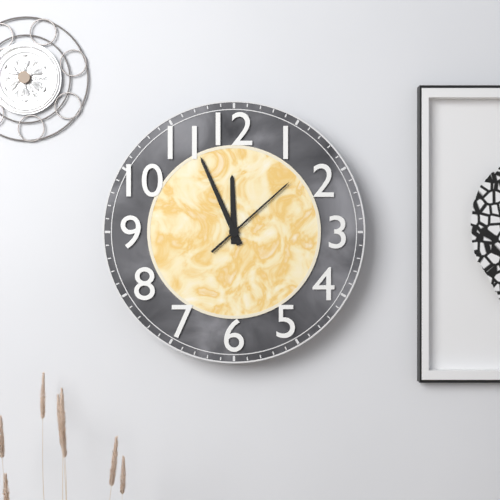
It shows 11.56.08
